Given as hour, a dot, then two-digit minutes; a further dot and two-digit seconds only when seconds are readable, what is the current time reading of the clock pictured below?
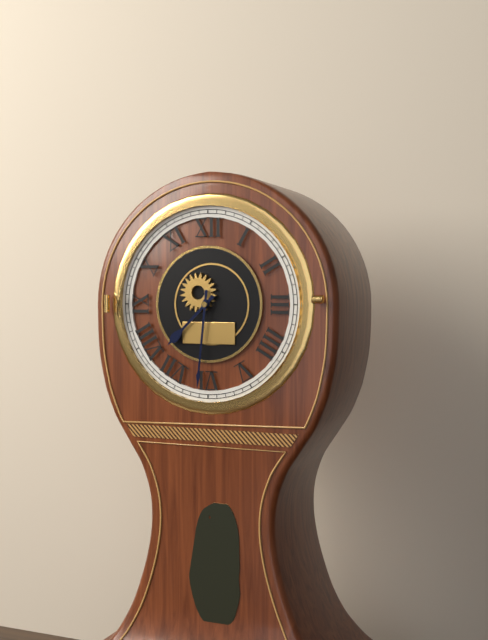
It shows 7.31
